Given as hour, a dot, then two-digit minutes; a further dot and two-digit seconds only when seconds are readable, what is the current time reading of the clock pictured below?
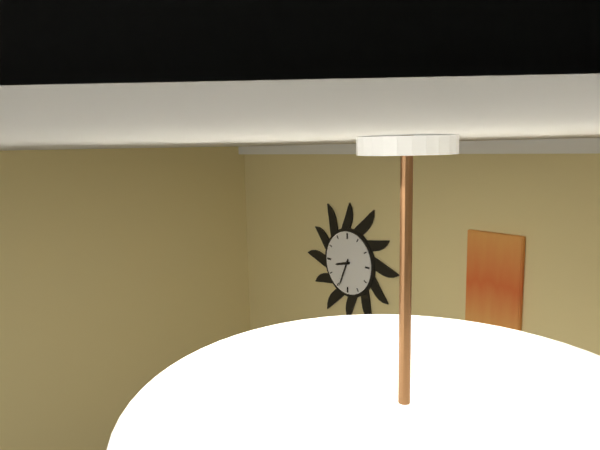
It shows 8.34
